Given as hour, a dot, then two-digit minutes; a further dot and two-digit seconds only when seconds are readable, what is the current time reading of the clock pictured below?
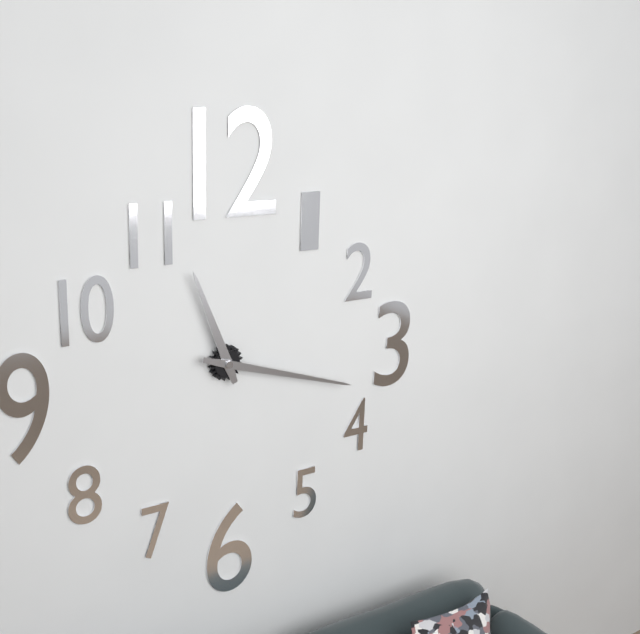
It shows 11.18
